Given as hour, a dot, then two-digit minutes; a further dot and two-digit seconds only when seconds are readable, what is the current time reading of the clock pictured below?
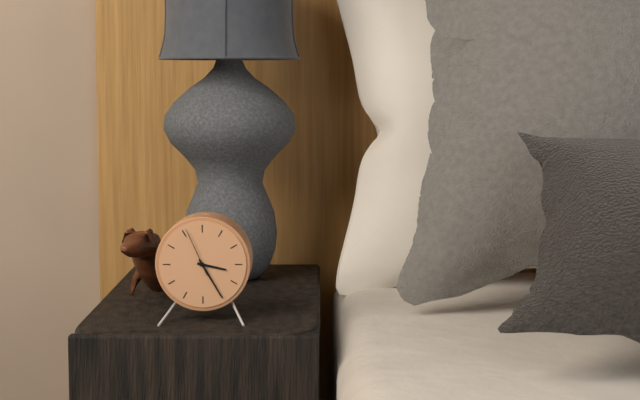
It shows 3.25
